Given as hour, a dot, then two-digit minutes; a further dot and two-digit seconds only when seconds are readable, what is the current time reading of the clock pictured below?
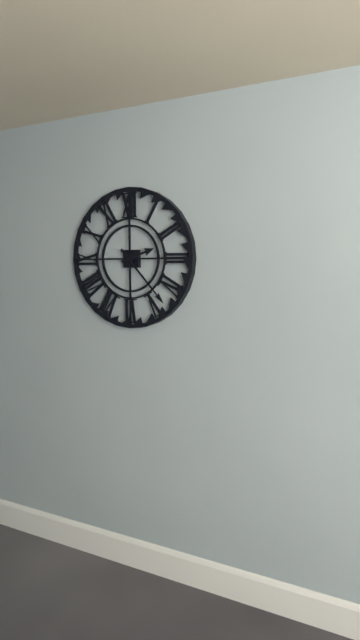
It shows 2.23
